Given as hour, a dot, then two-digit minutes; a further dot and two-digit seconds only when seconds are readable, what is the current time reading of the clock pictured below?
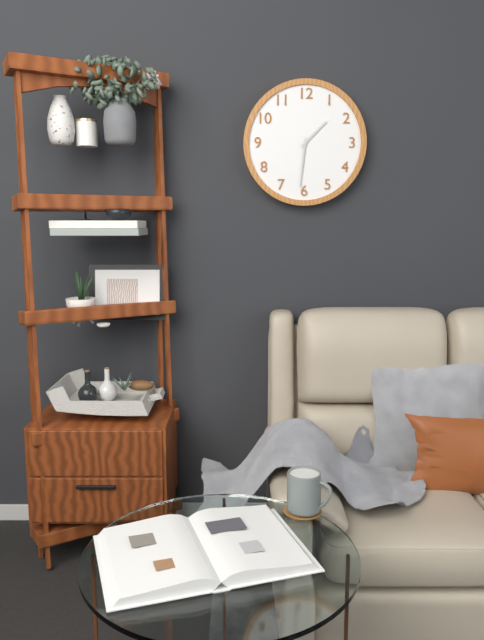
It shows 1.31
